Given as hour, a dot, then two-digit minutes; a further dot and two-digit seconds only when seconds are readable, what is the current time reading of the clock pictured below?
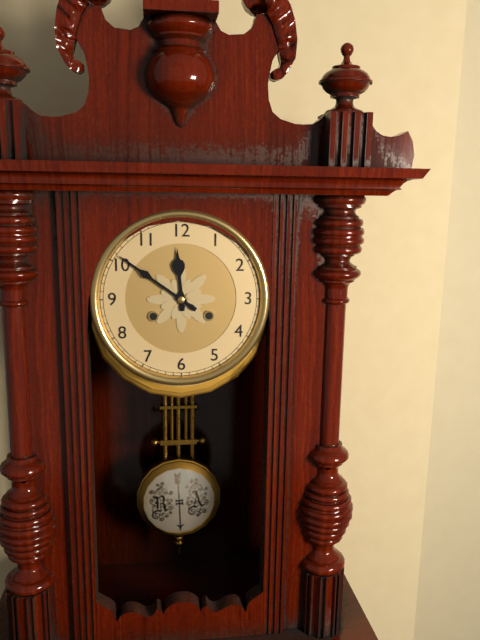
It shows 11.51
